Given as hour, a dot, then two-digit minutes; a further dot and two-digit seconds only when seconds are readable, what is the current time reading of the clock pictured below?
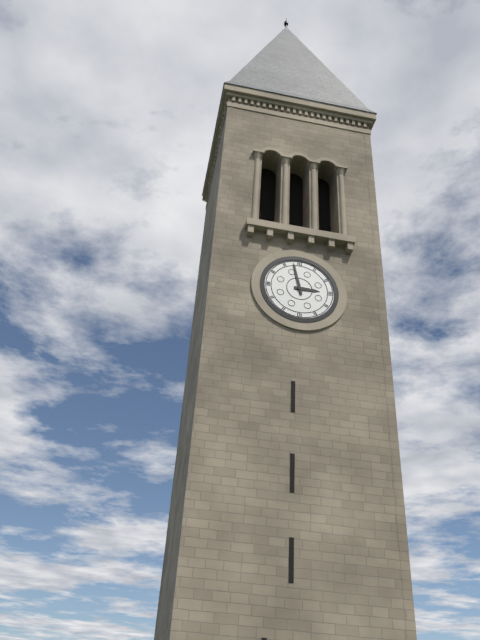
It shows 2.58
